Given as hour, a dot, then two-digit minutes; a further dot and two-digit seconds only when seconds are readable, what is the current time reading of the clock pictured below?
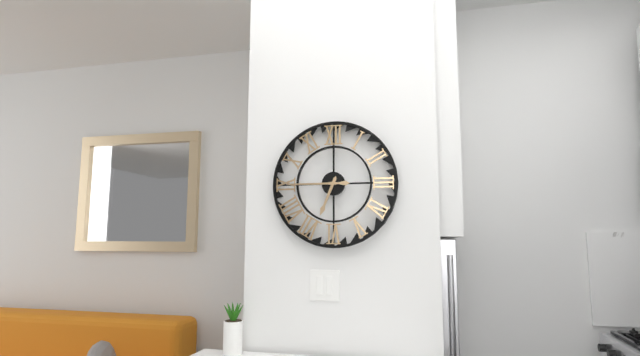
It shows 6.45
